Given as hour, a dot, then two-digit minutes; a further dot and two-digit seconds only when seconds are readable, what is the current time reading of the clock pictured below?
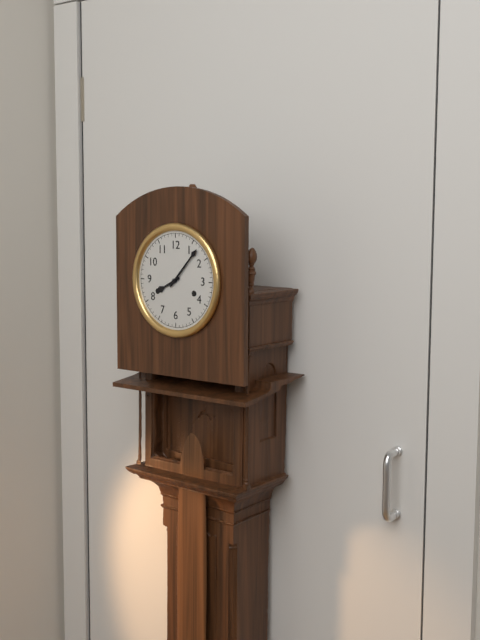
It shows 8.07
